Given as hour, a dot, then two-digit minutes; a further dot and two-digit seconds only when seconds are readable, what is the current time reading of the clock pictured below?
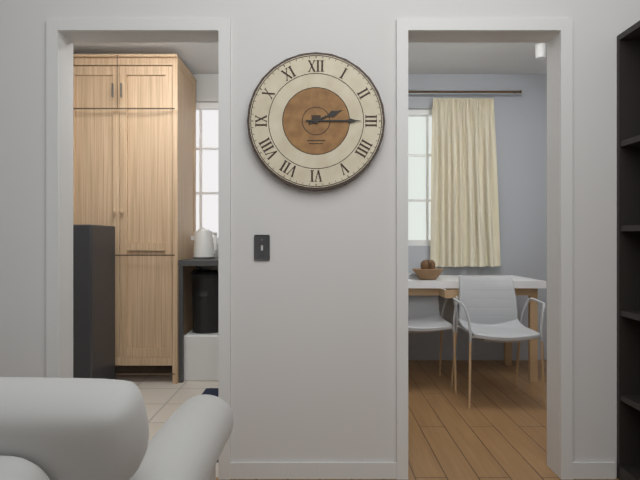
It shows 2.15
